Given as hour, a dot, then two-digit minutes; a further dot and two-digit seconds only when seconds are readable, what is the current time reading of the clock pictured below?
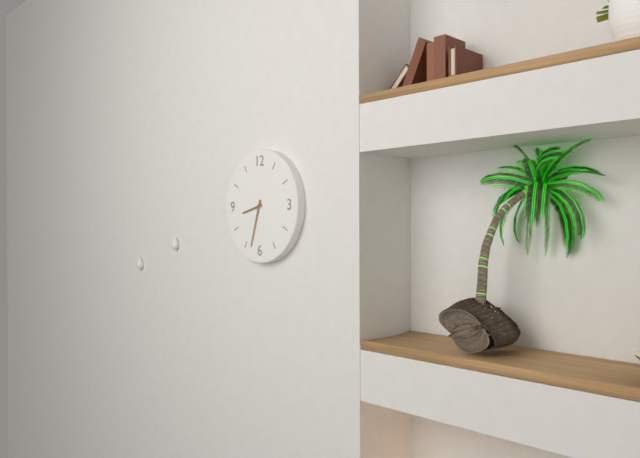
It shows 8.33
